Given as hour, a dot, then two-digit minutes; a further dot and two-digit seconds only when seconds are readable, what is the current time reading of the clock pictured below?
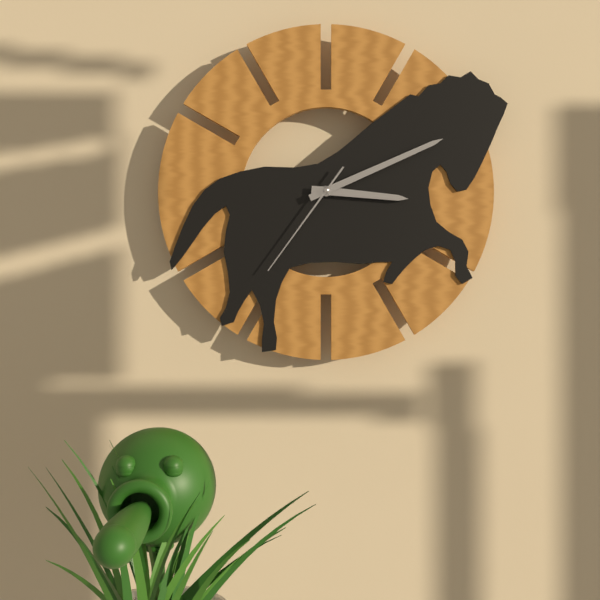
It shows 3.11.36
